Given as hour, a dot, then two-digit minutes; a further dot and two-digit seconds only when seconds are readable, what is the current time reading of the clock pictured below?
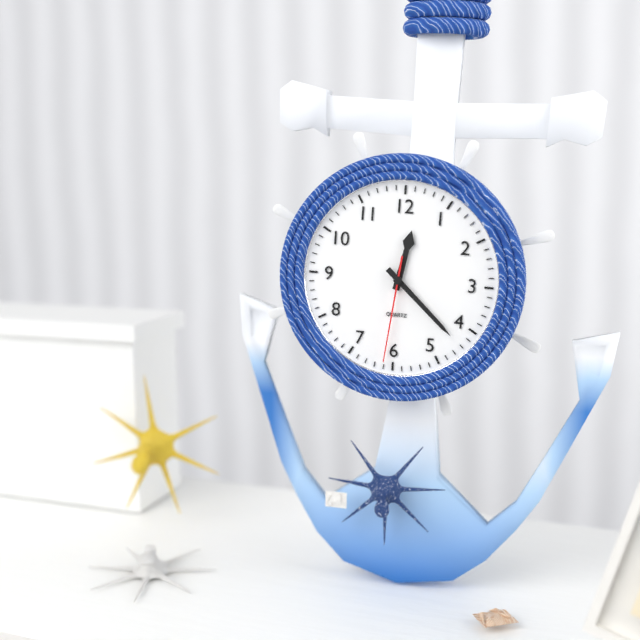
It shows 12.22.31
